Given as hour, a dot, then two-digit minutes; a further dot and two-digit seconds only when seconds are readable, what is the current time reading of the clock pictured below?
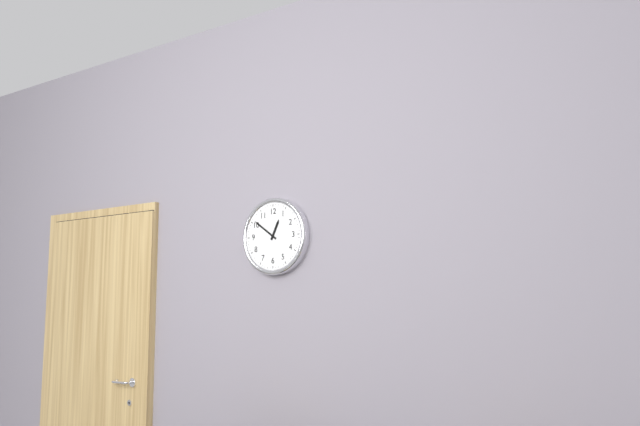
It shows 12.51
